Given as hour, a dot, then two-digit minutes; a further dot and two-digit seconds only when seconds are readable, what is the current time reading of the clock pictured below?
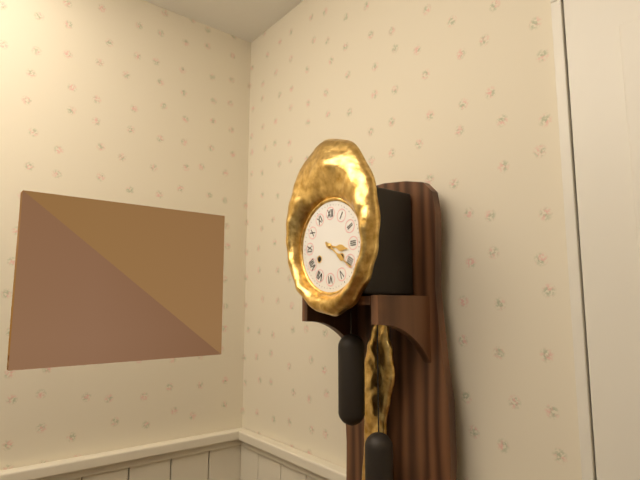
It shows 3.21
